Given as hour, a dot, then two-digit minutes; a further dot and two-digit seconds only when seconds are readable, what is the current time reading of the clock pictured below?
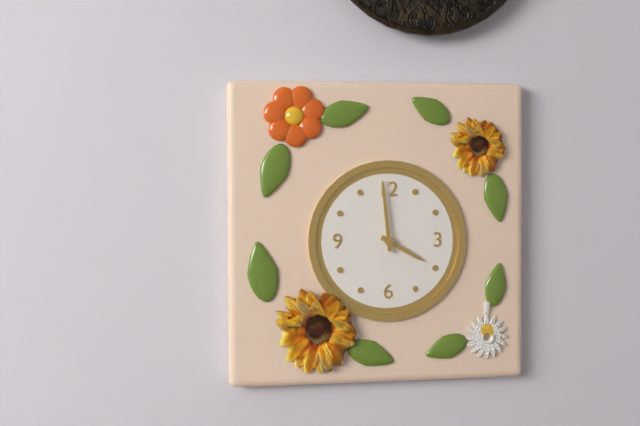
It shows 3.59
